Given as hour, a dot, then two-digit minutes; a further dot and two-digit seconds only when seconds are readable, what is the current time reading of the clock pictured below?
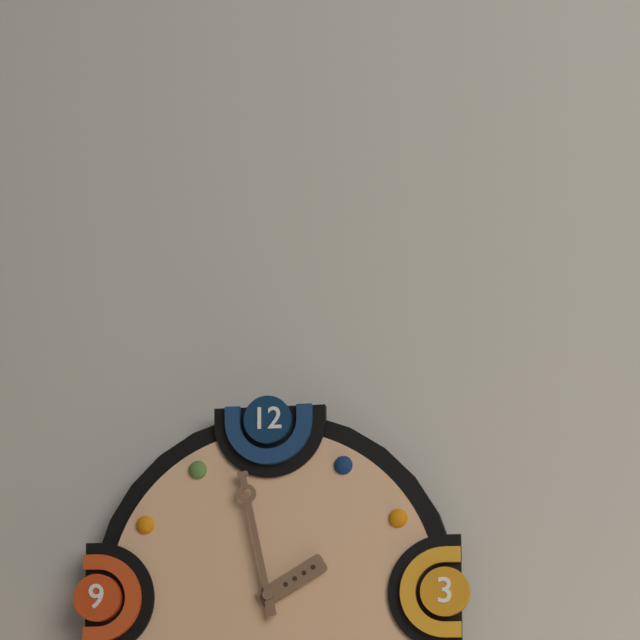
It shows 1.58
